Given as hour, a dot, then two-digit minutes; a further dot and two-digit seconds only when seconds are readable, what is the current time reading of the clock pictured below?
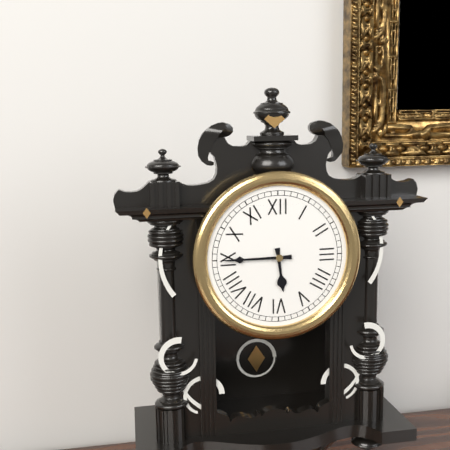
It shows 5.45
